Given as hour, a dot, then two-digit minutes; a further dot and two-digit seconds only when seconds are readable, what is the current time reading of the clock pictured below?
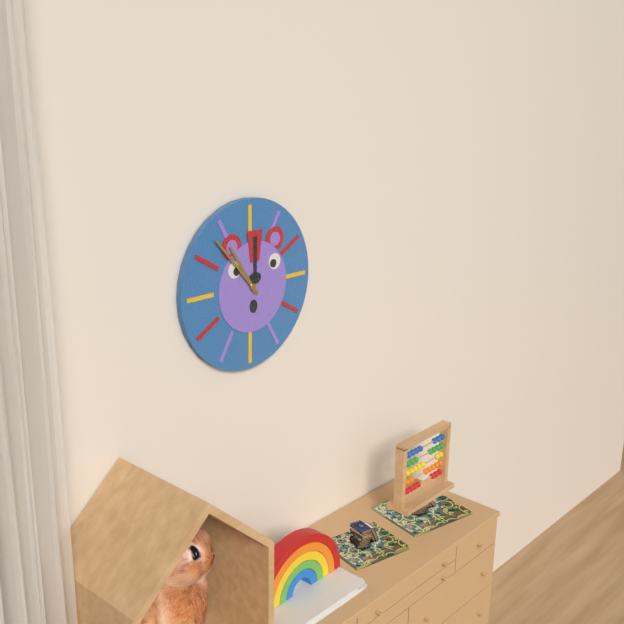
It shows 10.53
